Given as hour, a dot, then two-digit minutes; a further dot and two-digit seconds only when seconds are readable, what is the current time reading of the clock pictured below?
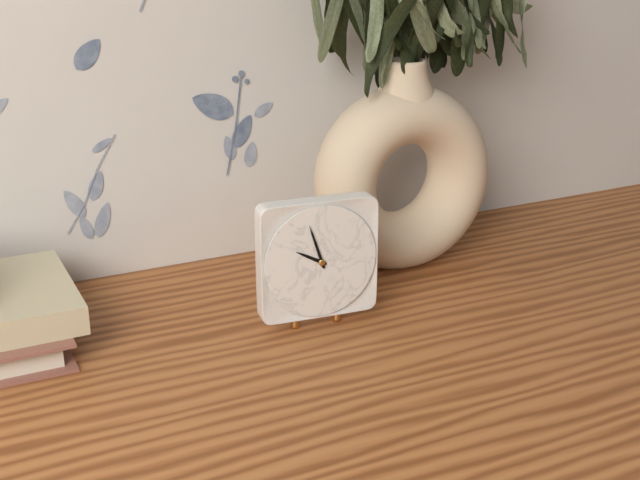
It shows 9.57
